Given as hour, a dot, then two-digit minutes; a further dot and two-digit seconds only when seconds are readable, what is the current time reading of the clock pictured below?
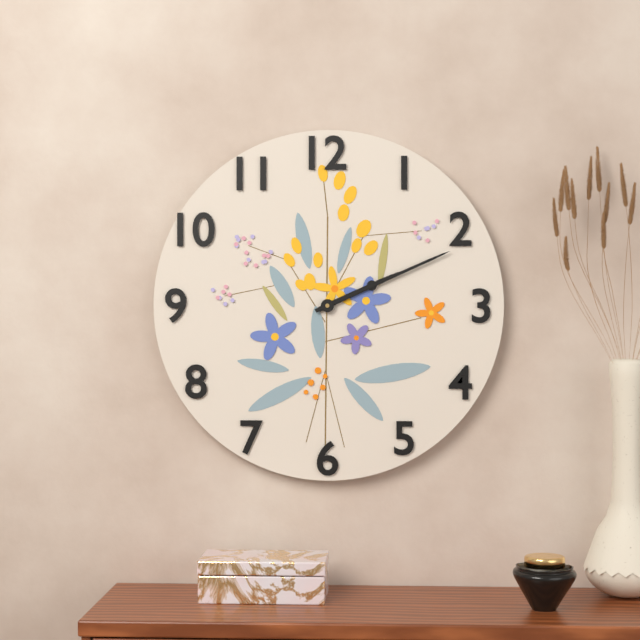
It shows 2.11
